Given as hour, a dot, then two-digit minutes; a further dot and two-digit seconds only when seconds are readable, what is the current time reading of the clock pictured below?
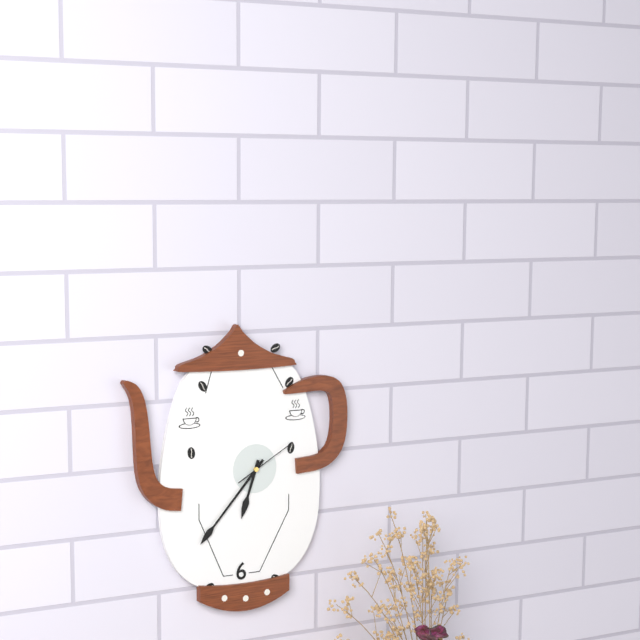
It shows 6.37.10
